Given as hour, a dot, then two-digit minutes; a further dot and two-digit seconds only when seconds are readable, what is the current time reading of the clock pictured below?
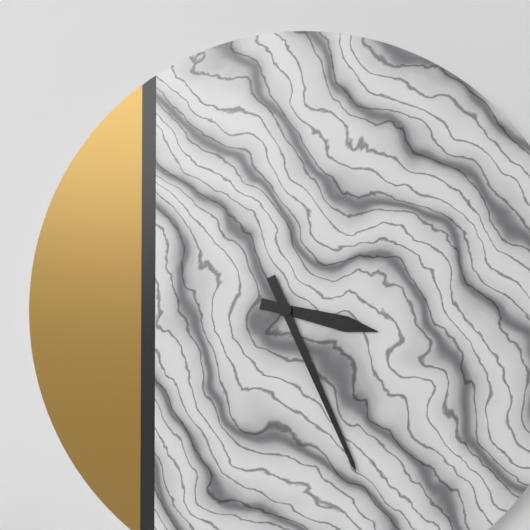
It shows 3.26
